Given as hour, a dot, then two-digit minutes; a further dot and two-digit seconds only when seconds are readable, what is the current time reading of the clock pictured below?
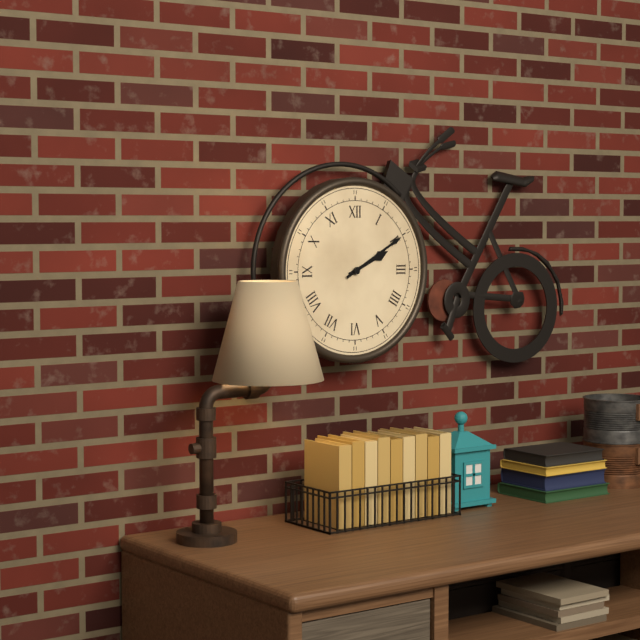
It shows 2.10
